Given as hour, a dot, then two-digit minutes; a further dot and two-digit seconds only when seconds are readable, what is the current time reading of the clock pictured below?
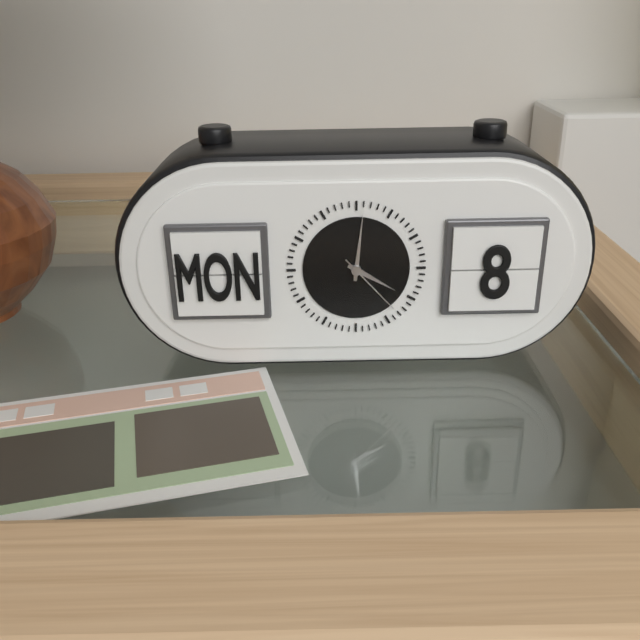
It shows 4.01.23
